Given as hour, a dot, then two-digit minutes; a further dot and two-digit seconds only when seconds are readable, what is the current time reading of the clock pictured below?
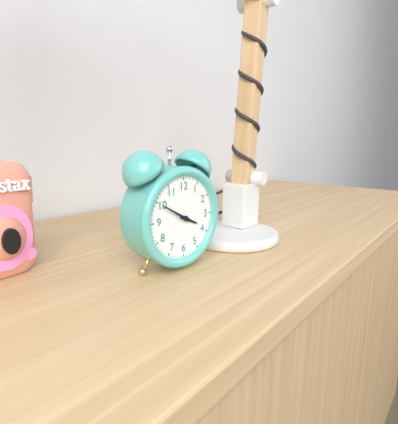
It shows 3.50
